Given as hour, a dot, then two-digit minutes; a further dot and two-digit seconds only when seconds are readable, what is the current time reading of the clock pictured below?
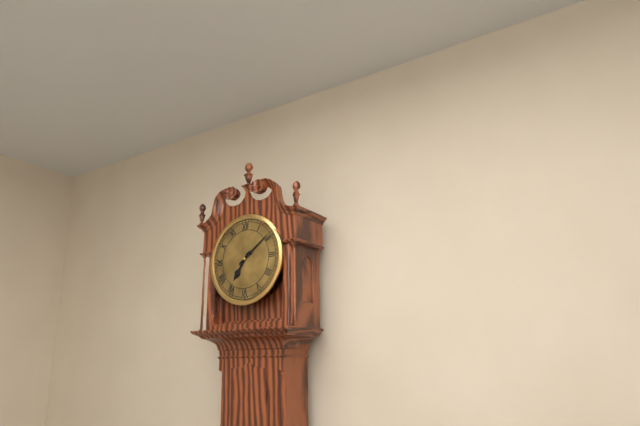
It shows 7.09
